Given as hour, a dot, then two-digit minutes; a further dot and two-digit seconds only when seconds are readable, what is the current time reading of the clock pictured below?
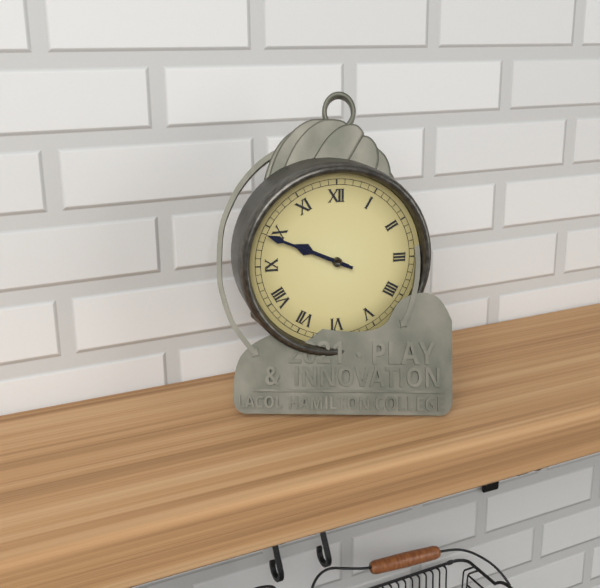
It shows 9.49
